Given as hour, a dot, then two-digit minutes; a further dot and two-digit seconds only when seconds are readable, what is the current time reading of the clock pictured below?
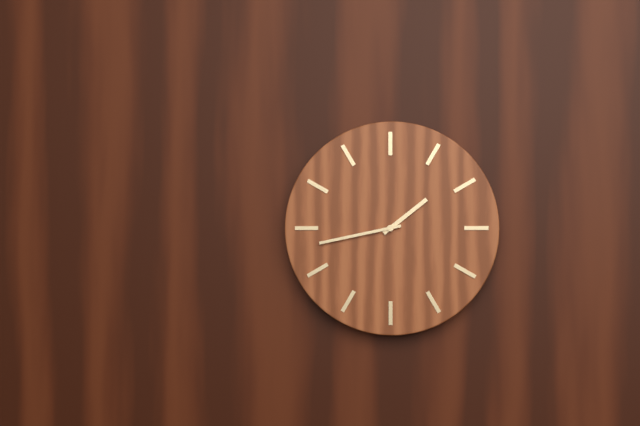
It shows 1.43
